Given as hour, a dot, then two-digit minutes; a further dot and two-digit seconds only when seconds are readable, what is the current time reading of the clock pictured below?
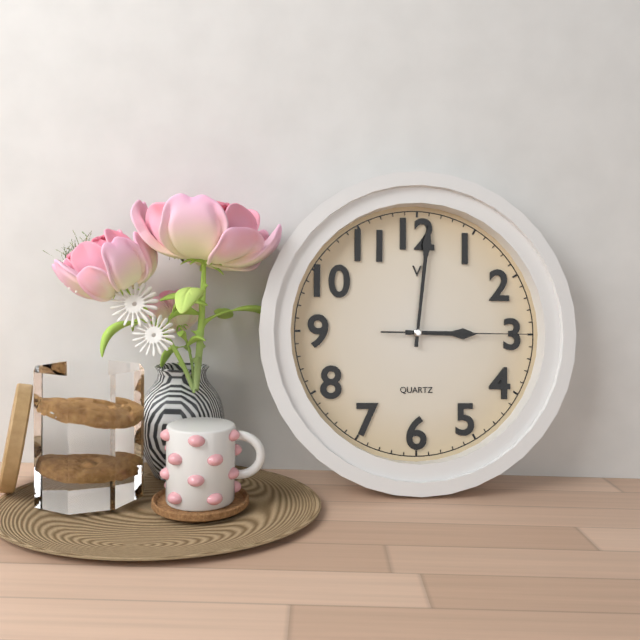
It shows 3.01.15
